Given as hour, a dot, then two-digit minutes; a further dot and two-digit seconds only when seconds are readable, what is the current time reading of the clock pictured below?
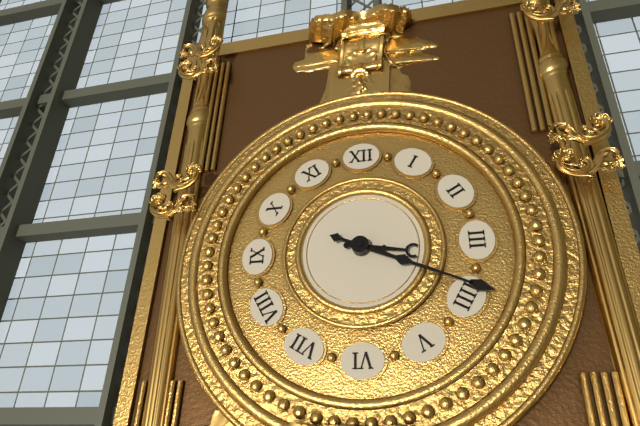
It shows 3.19
